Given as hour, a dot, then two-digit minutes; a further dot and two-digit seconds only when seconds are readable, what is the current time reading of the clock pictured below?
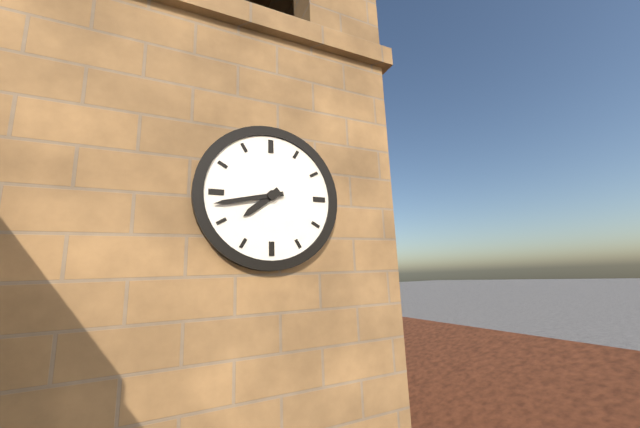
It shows 7.43
